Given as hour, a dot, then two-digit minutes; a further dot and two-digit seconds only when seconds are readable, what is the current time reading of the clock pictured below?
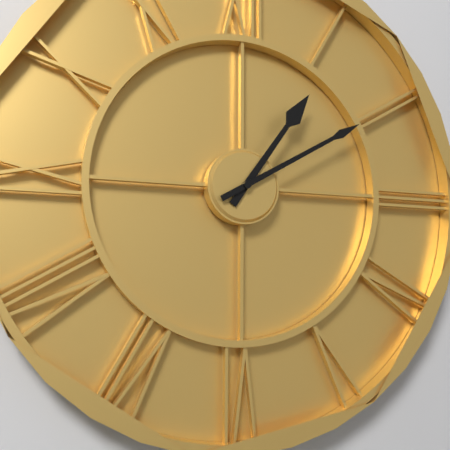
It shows 1.10
